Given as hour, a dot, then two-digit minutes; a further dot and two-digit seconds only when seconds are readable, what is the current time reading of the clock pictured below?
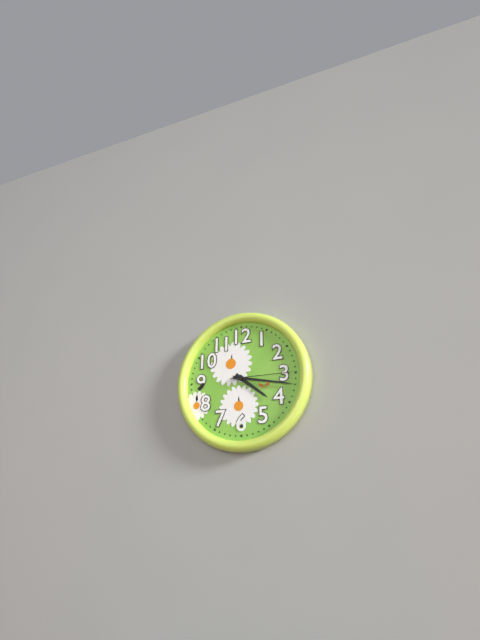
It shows 4.17.15
